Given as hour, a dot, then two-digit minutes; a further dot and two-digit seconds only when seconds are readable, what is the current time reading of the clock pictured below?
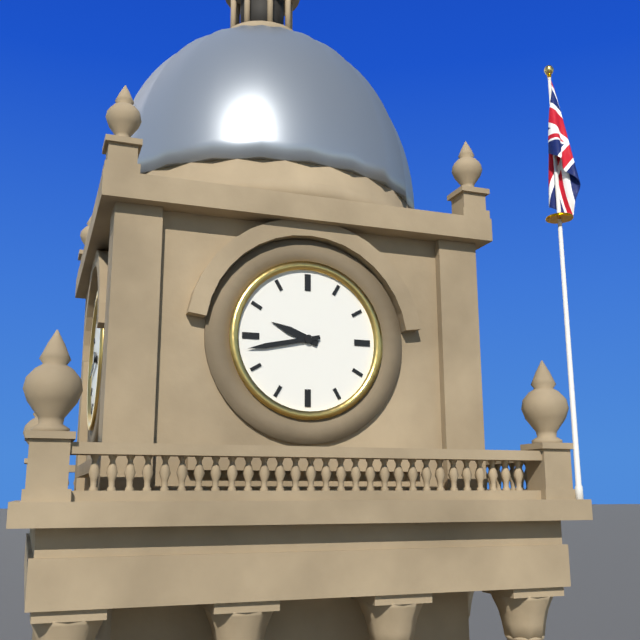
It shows 9.43
